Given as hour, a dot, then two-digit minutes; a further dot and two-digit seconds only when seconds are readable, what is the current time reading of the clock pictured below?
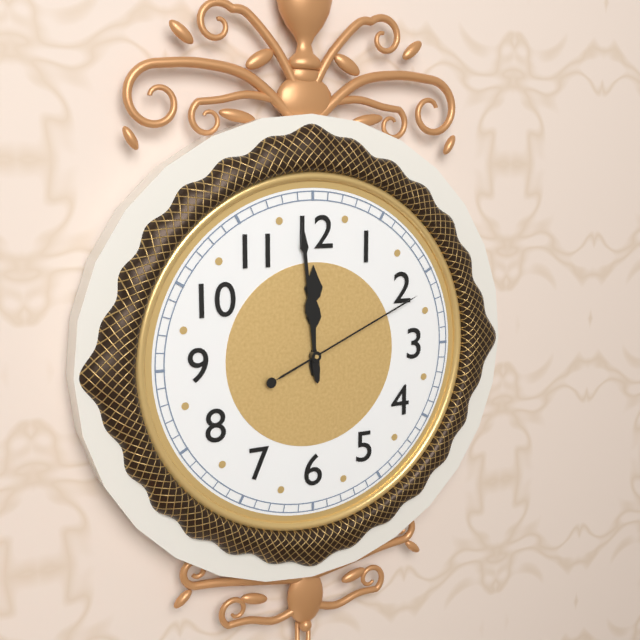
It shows 11.59.11
